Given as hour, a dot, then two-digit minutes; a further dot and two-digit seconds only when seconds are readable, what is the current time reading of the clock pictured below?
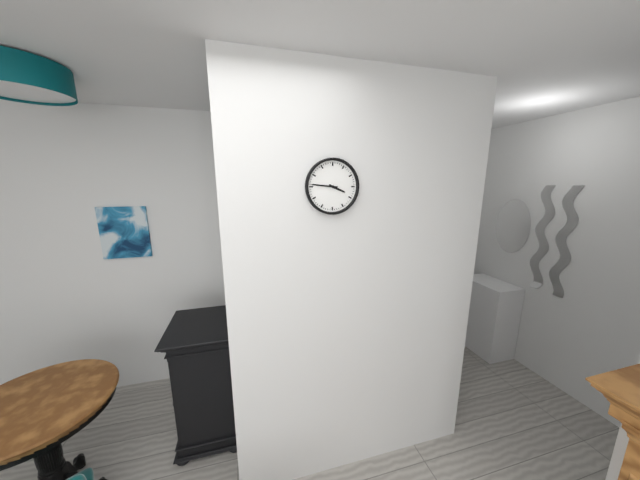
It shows 3.46
